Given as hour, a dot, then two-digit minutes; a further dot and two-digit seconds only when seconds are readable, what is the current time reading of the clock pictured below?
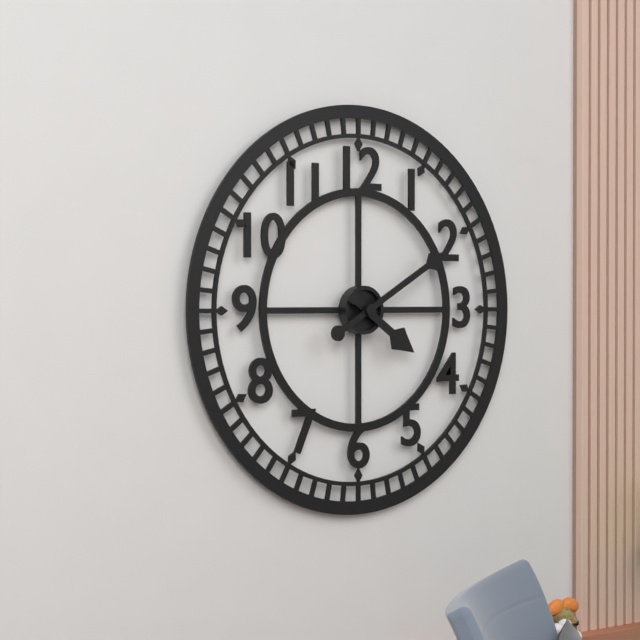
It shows 4.10
